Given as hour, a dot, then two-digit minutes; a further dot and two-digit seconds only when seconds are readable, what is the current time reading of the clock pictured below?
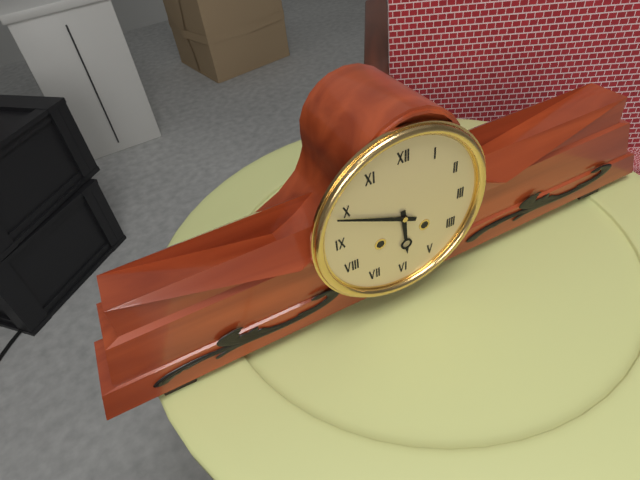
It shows 5.49
